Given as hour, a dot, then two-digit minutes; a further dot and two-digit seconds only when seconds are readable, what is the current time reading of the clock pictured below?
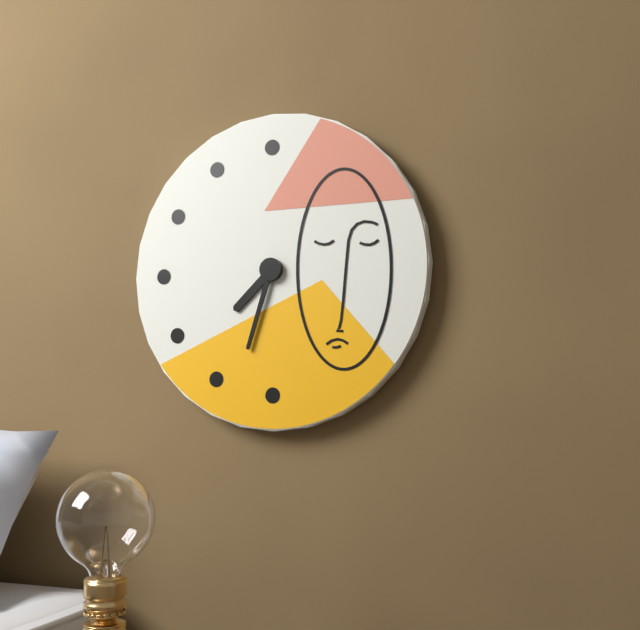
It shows 7.33
